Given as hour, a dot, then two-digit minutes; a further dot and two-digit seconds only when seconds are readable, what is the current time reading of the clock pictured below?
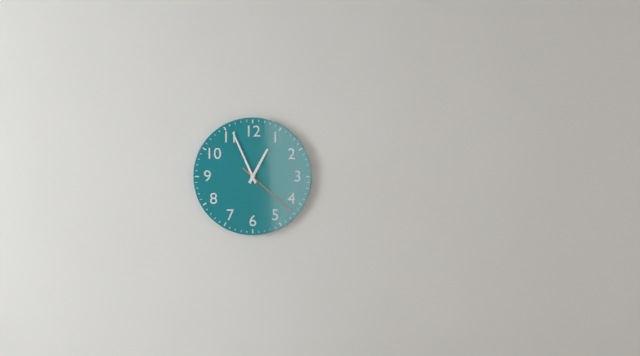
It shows 12.56.22
